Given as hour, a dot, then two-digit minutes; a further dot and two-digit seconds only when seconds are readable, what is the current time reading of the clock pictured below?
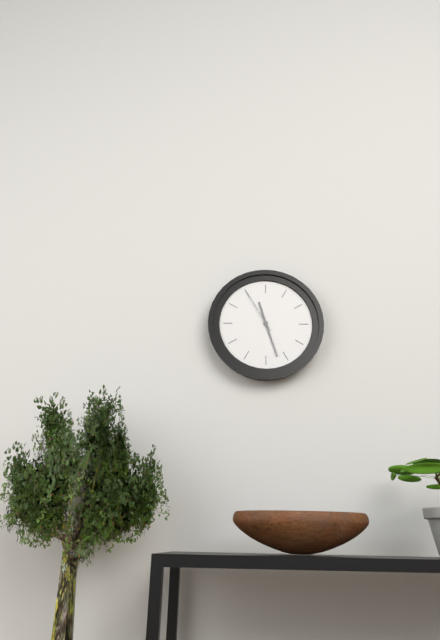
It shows 11.27
